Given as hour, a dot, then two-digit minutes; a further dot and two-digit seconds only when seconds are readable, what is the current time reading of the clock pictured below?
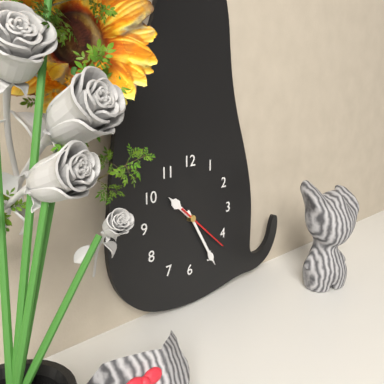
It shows 10.25.22
